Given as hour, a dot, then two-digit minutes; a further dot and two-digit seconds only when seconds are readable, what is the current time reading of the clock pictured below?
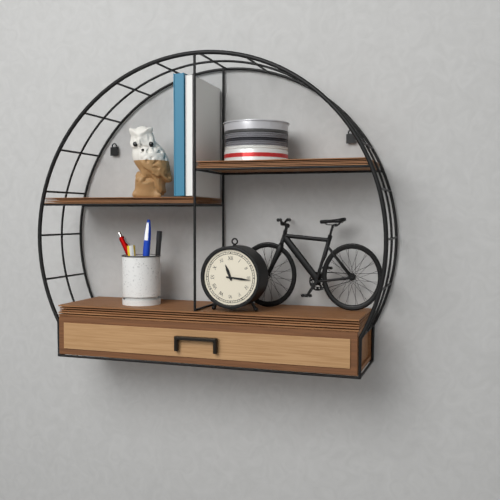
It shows 11.16
